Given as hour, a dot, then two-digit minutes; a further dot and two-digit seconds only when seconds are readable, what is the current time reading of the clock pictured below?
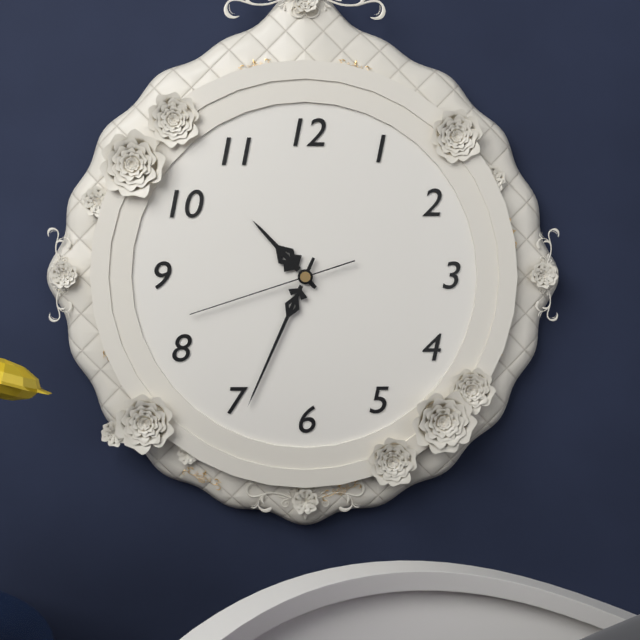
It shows 10.34.42
